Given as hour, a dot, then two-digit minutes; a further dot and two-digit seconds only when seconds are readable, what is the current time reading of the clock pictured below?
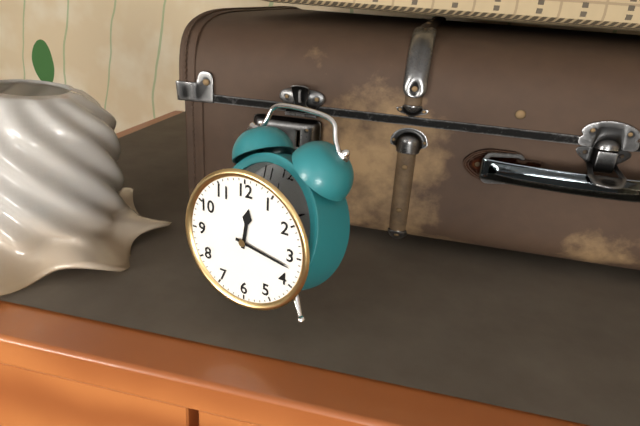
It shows 12.17
